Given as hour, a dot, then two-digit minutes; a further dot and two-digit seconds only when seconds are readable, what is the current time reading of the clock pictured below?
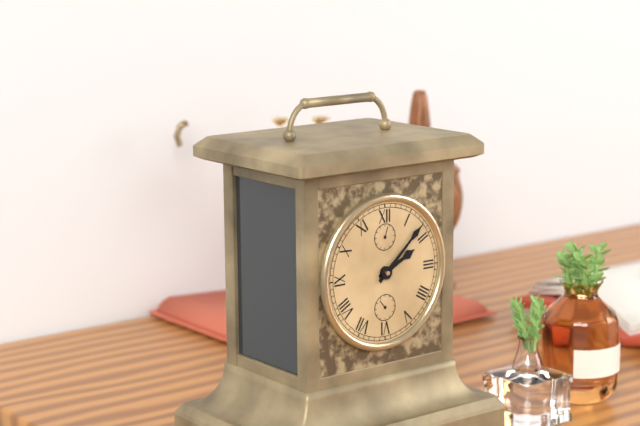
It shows 2.08
